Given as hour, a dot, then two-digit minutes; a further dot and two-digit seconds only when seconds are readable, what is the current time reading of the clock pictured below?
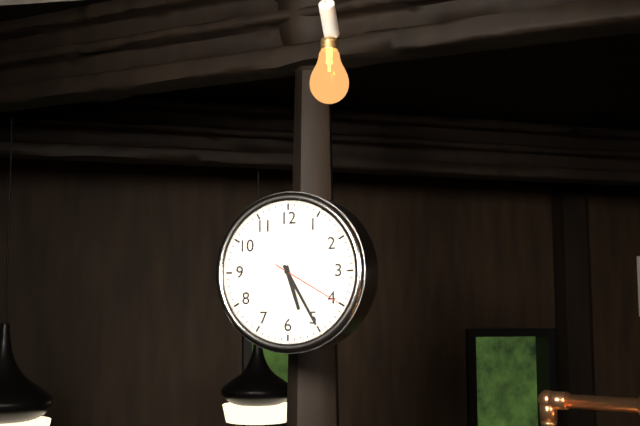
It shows 5.25.20
